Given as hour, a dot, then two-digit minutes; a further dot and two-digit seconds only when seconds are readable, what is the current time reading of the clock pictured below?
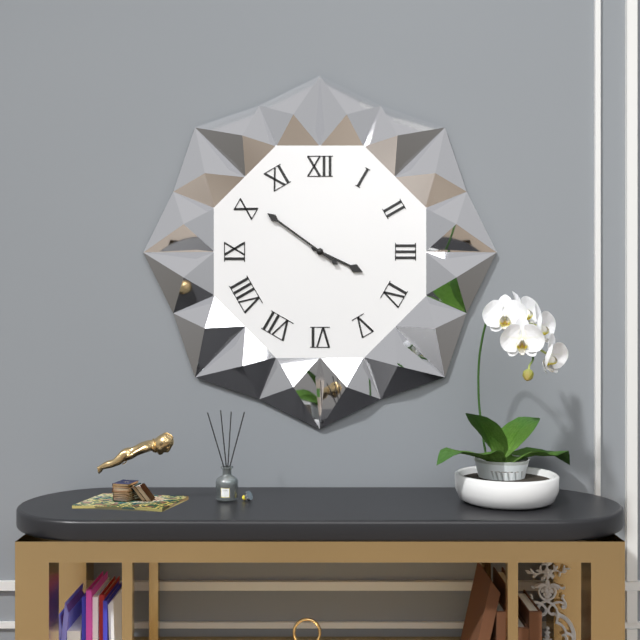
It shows 3.51
